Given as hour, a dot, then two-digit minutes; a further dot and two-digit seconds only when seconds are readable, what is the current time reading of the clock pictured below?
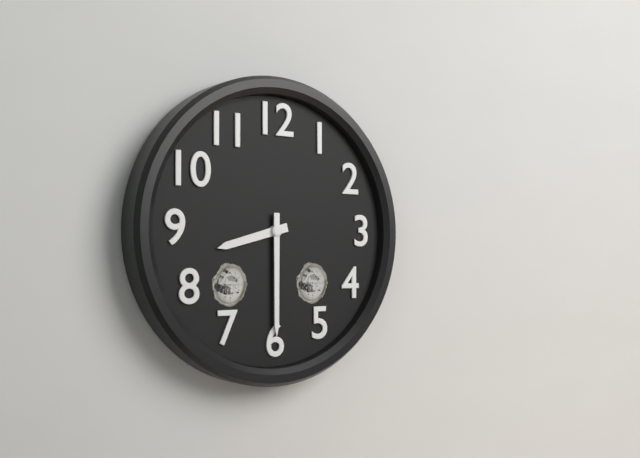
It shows 8.30
